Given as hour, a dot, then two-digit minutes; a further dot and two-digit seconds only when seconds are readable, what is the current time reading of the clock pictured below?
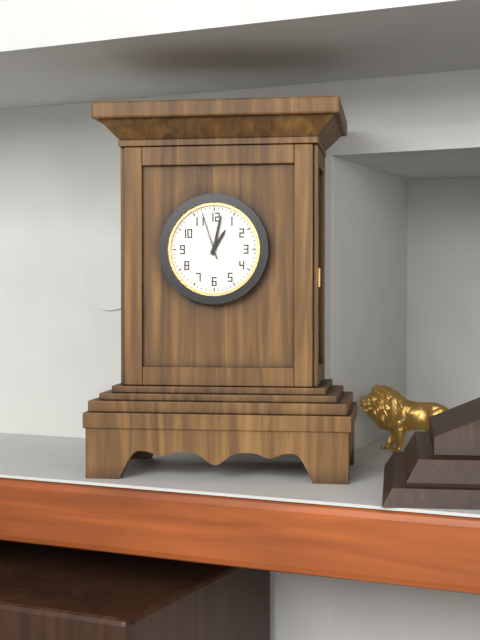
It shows 1.02.57
